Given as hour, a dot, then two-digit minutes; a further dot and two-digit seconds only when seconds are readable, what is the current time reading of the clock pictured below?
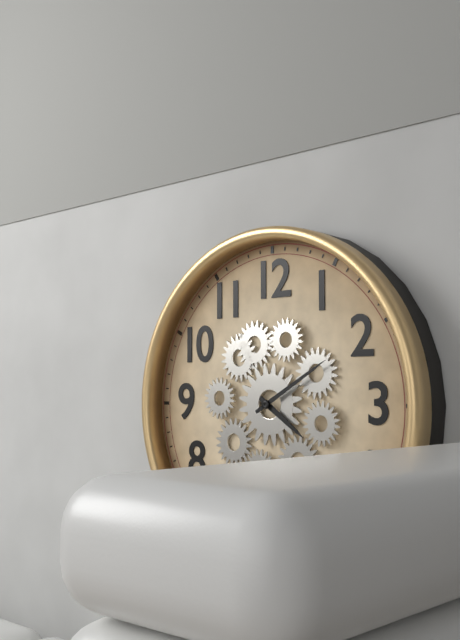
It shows 4.10
